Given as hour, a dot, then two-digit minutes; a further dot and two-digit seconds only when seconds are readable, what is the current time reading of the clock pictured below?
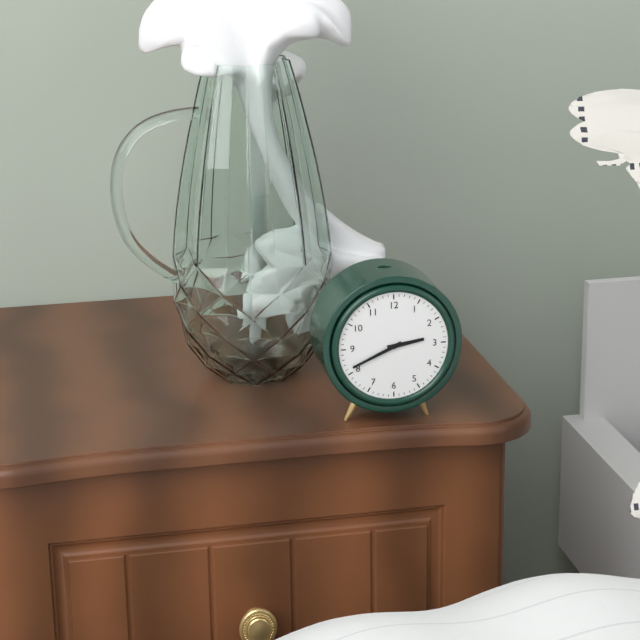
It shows 2.41
